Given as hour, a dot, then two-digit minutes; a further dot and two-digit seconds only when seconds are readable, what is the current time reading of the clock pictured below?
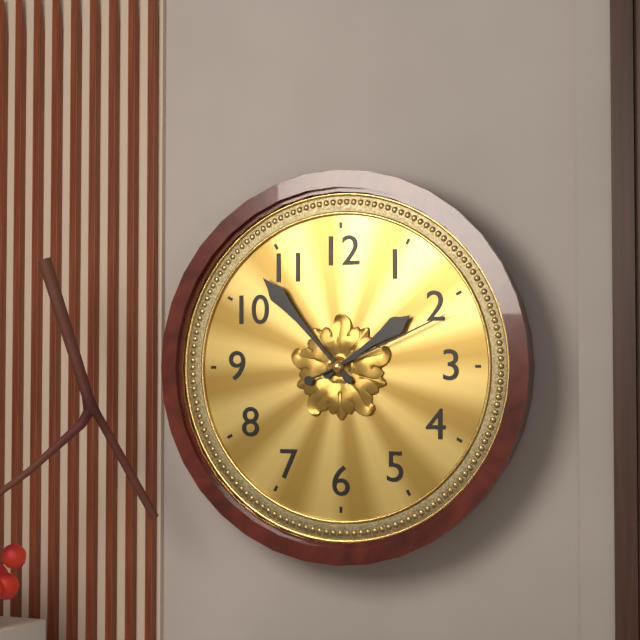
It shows 1.53.11
